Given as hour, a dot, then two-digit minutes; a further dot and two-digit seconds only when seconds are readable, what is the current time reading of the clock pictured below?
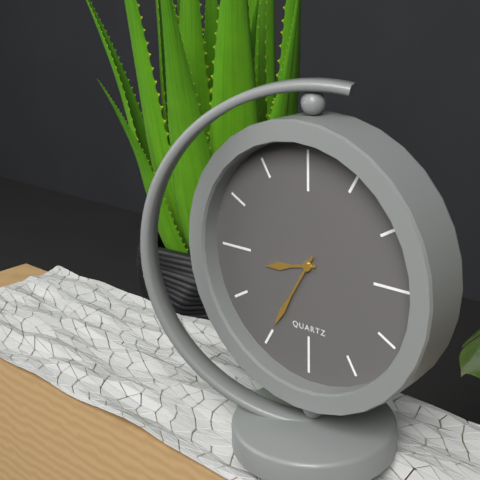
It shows 8.35
